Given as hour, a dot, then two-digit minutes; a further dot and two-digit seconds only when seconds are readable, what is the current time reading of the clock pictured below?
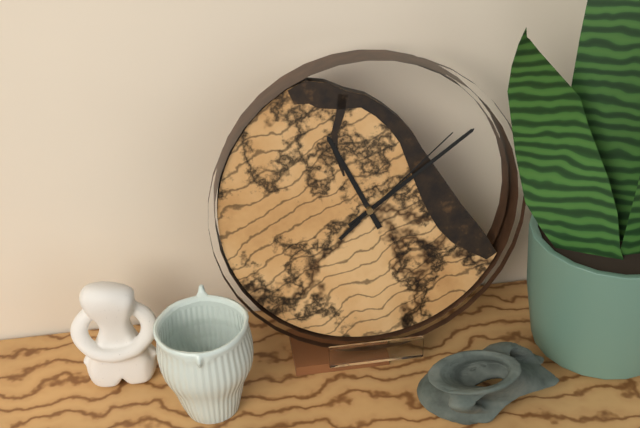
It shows 11.09.08
